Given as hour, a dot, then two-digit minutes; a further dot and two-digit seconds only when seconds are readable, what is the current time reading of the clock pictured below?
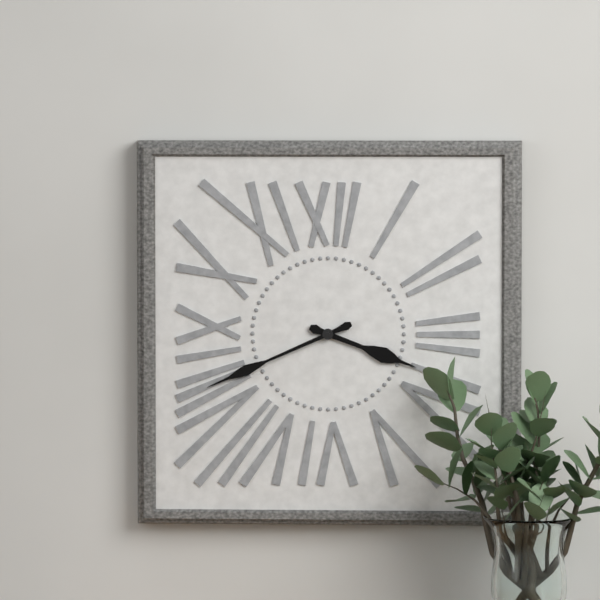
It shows 3.41
